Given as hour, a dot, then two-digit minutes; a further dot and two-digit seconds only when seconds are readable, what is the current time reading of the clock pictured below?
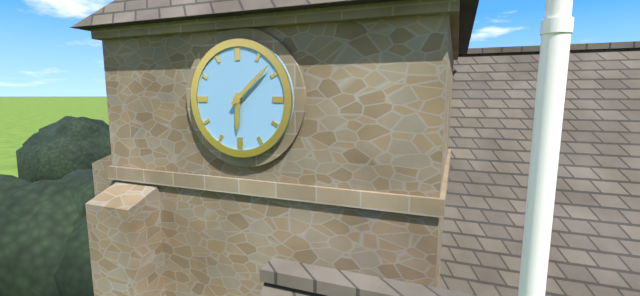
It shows 6.08
